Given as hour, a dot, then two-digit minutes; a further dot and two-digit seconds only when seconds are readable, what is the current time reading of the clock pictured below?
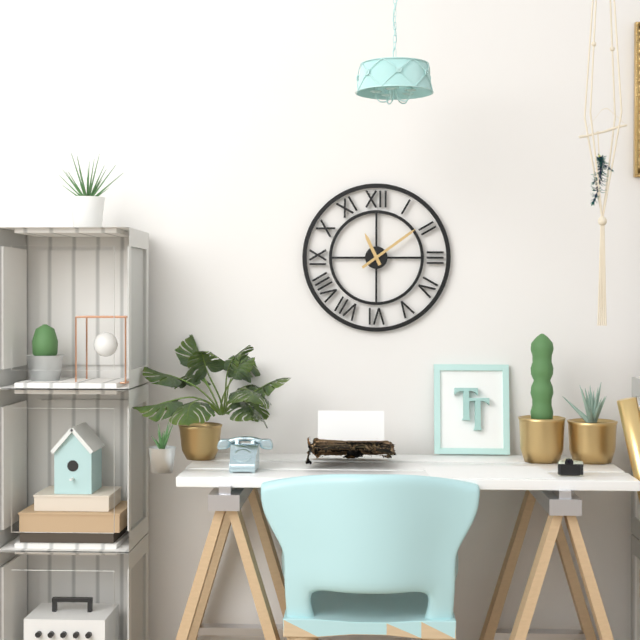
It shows 11.09
